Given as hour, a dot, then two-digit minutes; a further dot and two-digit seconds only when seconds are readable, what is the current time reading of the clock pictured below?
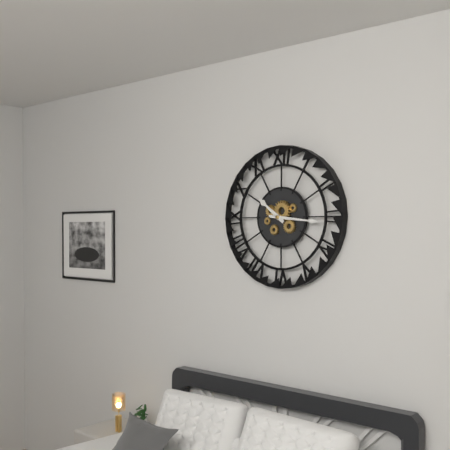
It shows 10.16
